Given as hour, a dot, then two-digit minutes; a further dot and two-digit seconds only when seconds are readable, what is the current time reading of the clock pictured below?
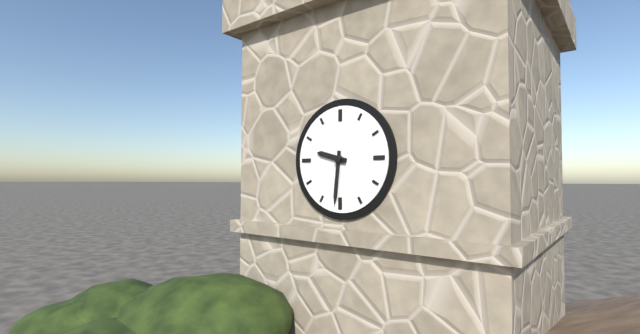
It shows 9.31
